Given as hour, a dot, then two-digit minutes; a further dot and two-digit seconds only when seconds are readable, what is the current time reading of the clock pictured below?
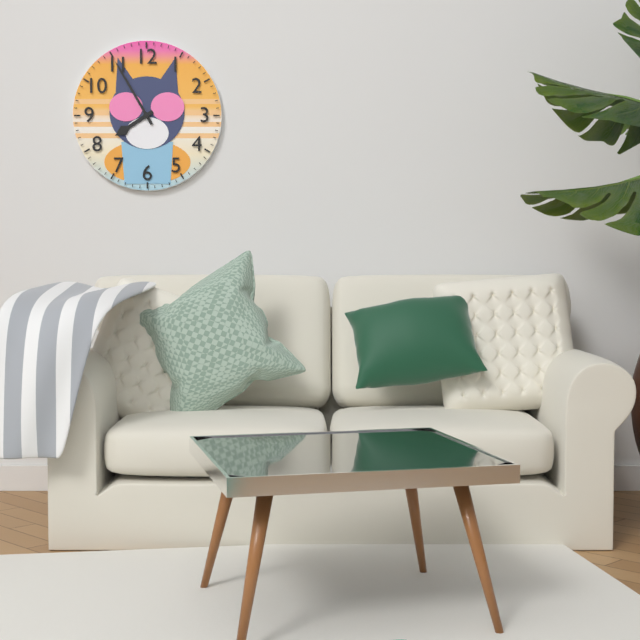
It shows 7.55
